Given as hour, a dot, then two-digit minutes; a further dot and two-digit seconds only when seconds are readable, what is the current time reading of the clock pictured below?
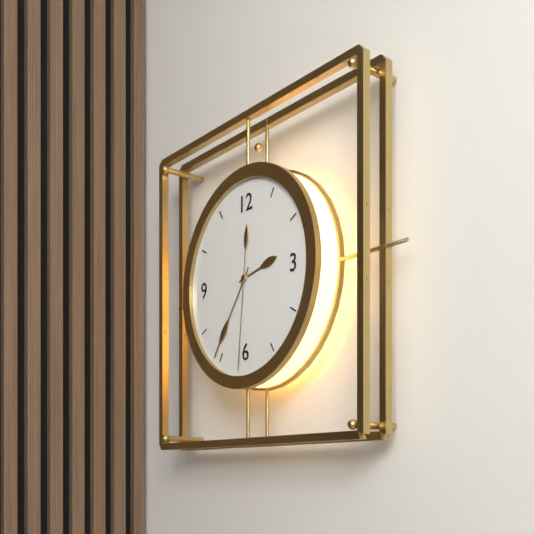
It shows 2.36.31
